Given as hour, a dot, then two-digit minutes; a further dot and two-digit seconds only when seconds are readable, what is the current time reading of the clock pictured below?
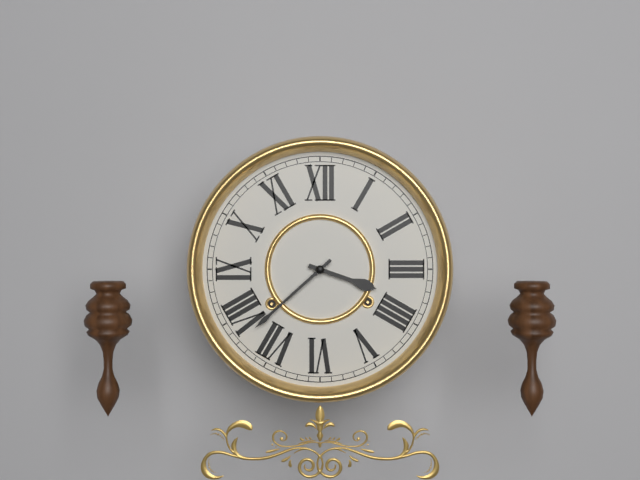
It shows 3.38
